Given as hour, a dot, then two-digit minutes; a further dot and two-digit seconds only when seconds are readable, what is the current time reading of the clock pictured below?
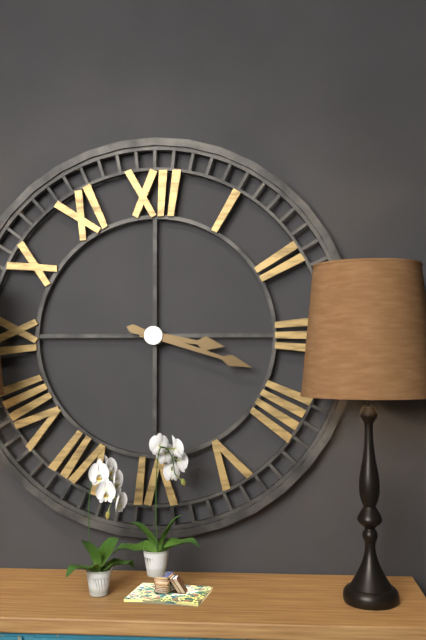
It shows 3.18
